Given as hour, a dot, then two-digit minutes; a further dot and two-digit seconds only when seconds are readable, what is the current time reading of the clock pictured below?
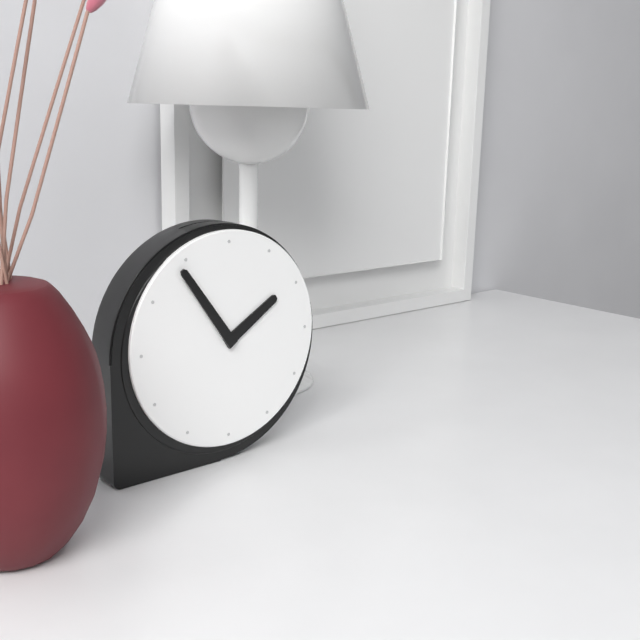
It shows 1.54
